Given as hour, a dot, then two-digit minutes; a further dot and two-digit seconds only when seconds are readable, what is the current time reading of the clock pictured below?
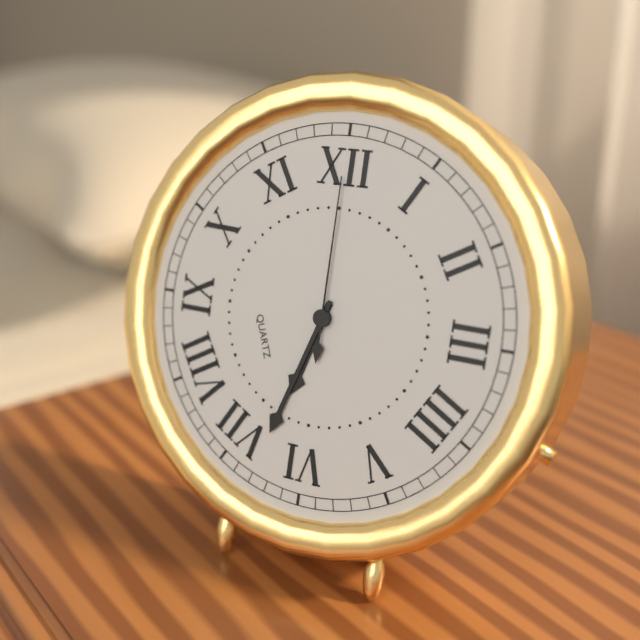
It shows 6.33.00
